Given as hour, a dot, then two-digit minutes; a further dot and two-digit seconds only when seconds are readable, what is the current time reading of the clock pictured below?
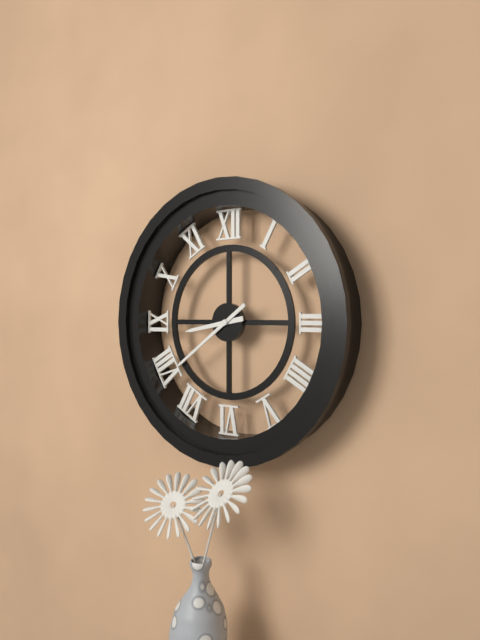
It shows 8.39
